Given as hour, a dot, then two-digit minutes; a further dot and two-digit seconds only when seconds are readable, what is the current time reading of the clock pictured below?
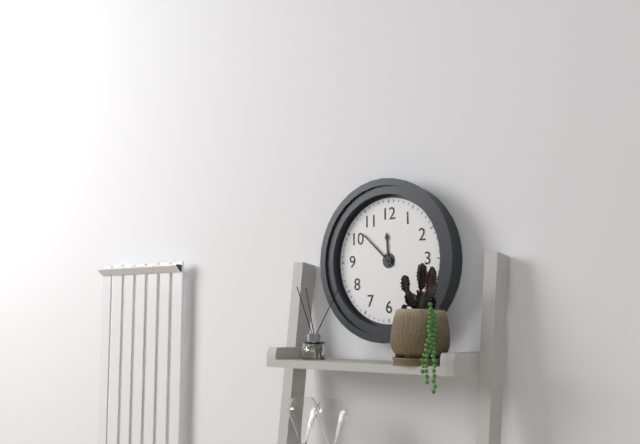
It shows 11.52
